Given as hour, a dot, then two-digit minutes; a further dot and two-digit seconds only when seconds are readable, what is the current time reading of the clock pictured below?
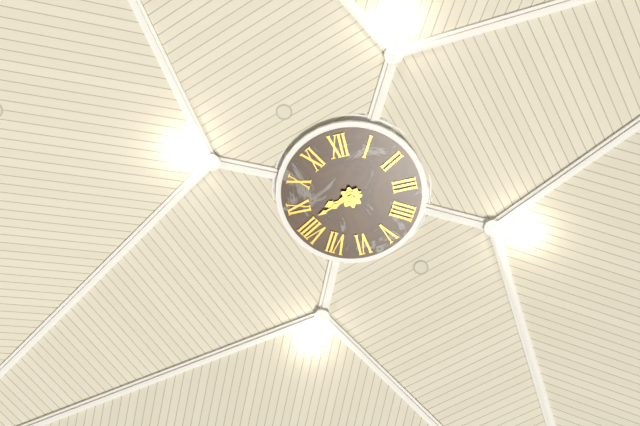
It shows 8.42
